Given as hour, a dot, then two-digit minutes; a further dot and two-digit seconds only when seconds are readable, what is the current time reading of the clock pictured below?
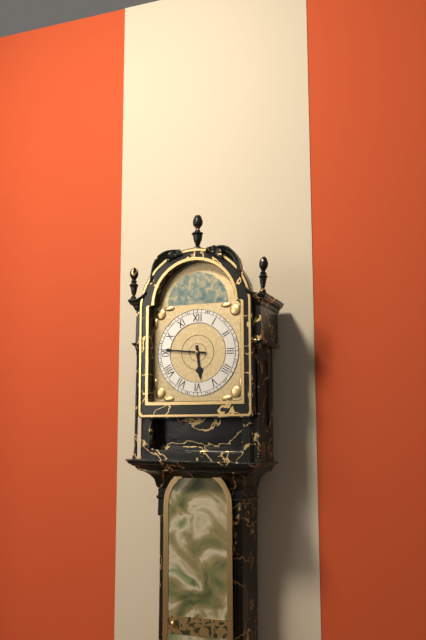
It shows 5.46
